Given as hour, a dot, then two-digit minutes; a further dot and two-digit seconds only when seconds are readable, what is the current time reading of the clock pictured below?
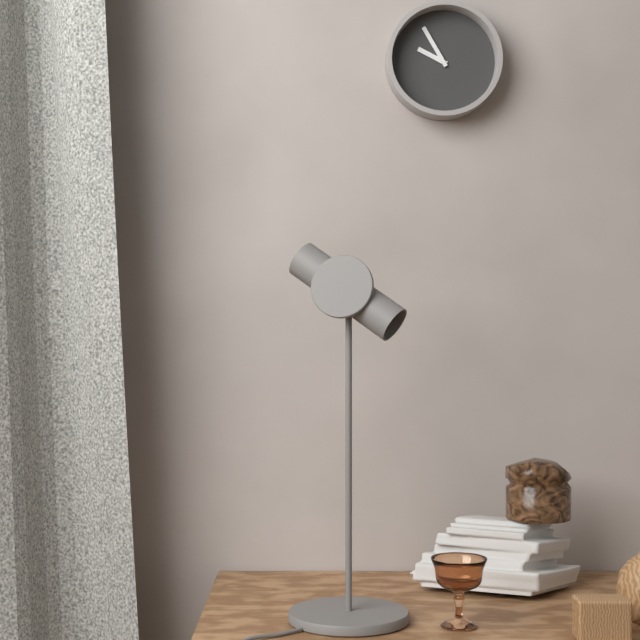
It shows 9.55
